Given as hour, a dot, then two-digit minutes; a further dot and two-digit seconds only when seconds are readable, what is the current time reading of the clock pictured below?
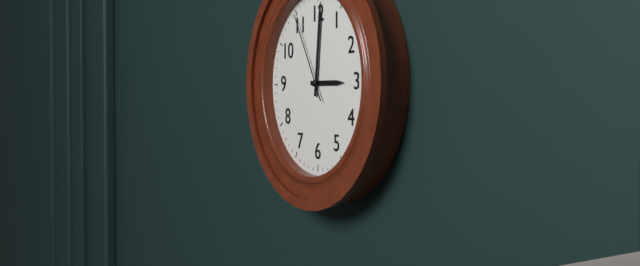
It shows 3.01.55
